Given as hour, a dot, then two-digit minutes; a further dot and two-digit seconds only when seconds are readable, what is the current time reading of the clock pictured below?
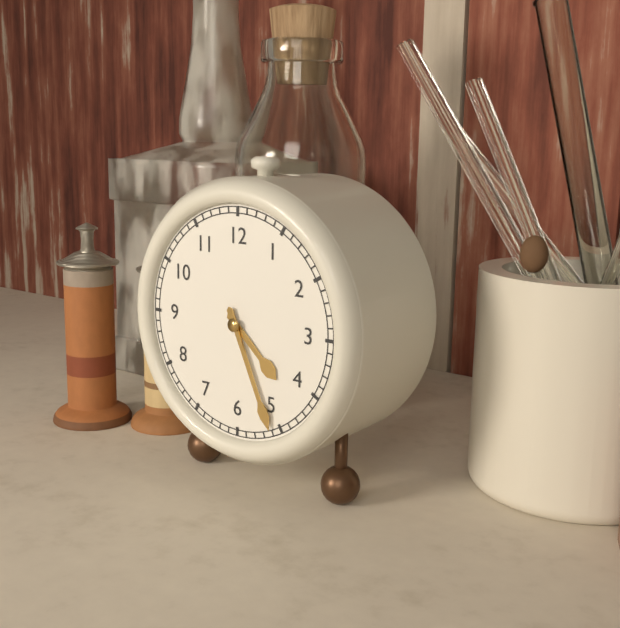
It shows 4.26
